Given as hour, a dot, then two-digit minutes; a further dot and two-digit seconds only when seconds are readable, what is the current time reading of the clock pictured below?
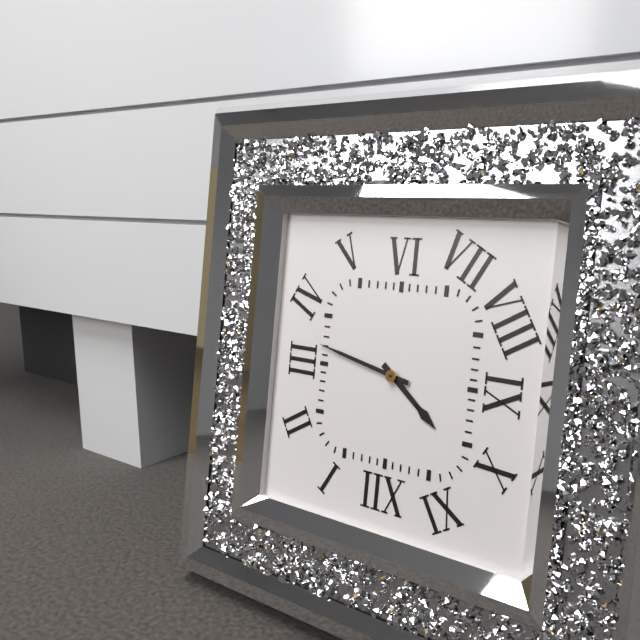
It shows 10.17
